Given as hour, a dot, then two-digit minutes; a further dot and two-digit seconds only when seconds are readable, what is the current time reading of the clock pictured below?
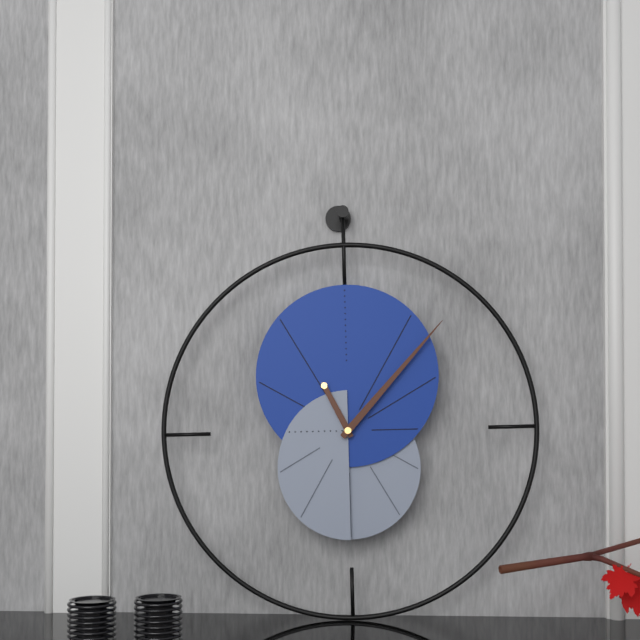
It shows 11.07
